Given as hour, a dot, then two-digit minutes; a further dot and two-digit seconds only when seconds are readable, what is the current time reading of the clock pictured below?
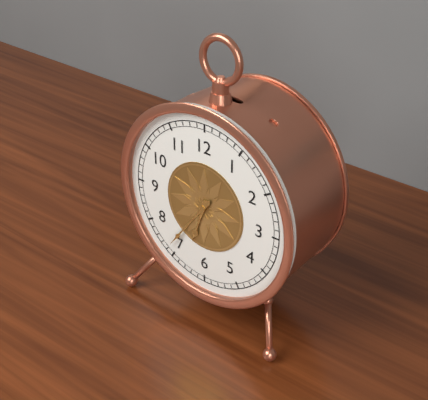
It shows 6.36
